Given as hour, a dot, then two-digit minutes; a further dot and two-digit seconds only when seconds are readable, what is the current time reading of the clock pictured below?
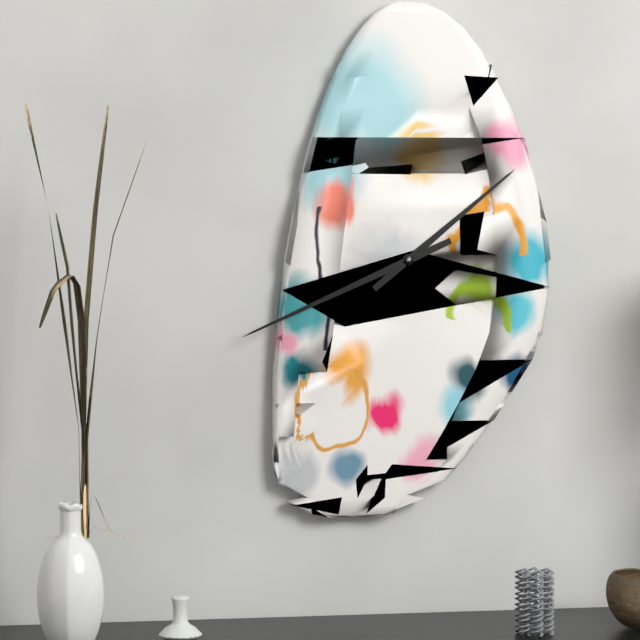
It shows 1.41
